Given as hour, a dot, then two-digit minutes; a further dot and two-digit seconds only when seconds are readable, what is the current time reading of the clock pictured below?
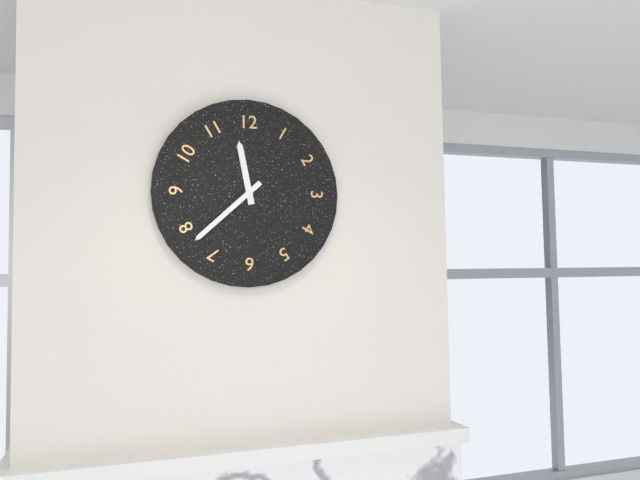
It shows 11.38
